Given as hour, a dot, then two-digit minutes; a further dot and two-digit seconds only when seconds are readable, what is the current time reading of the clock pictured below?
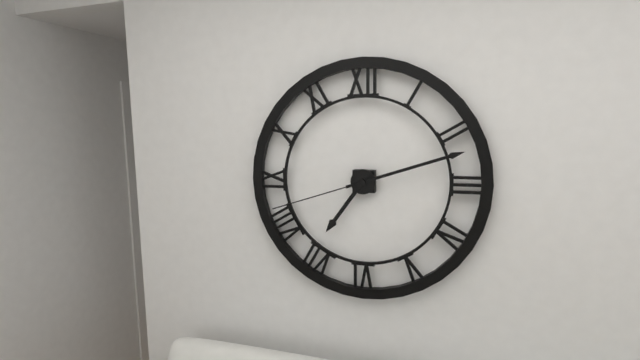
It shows 7.12.42
